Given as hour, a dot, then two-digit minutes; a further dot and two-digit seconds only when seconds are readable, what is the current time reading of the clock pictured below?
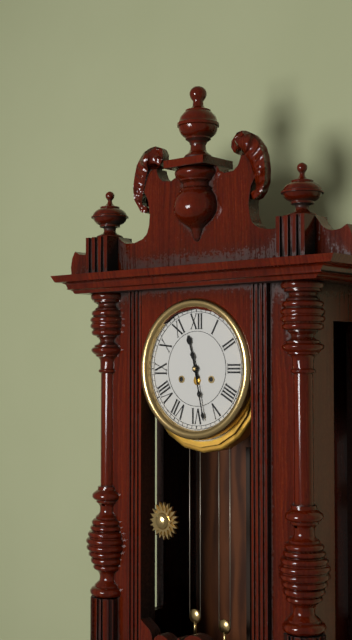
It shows 11.28
